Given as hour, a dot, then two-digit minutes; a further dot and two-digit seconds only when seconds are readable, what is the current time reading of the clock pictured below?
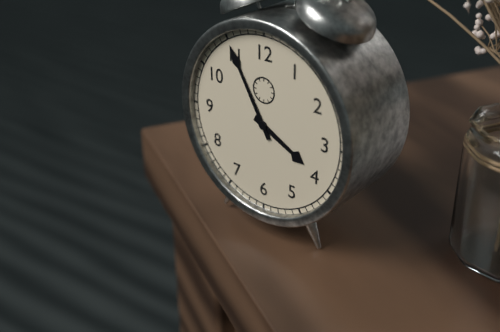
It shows 3.55
